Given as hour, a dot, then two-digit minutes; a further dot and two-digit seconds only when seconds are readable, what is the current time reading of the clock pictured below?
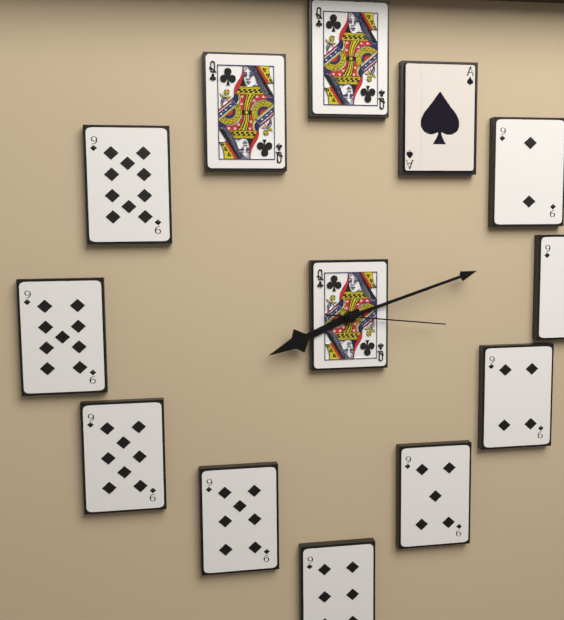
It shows 8.12.16
